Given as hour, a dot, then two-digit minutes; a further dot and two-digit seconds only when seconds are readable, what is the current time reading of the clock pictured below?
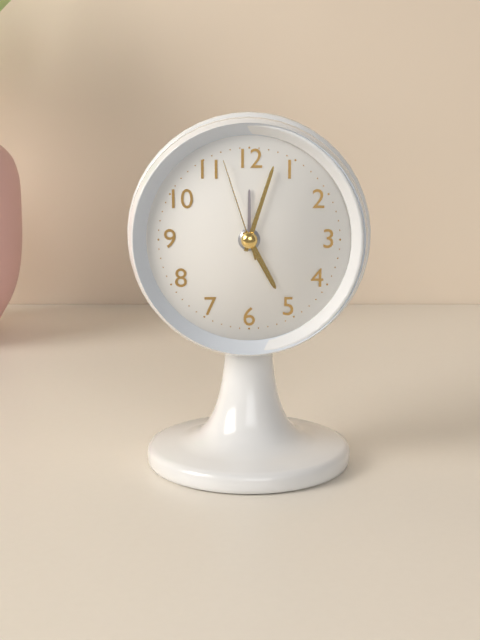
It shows 5.03.57
